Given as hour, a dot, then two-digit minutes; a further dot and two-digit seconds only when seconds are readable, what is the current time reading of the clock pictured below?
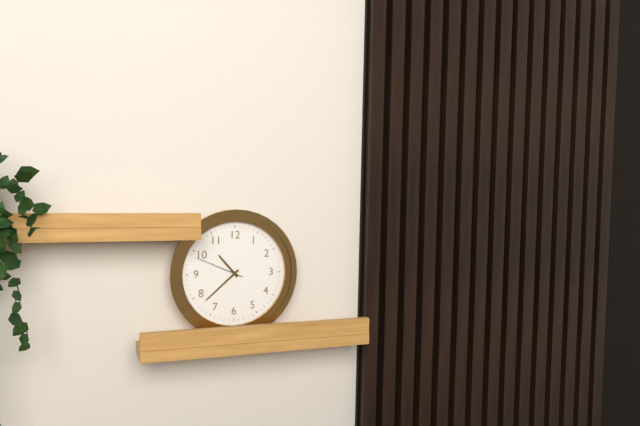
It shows 10.38.49
